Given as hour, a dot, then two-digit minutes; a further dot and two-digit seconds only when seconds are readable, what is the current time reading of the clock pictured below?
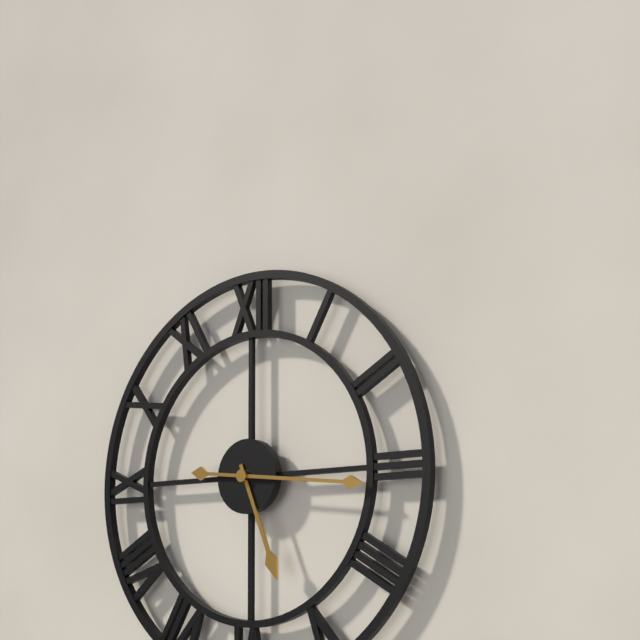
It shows 5.16
